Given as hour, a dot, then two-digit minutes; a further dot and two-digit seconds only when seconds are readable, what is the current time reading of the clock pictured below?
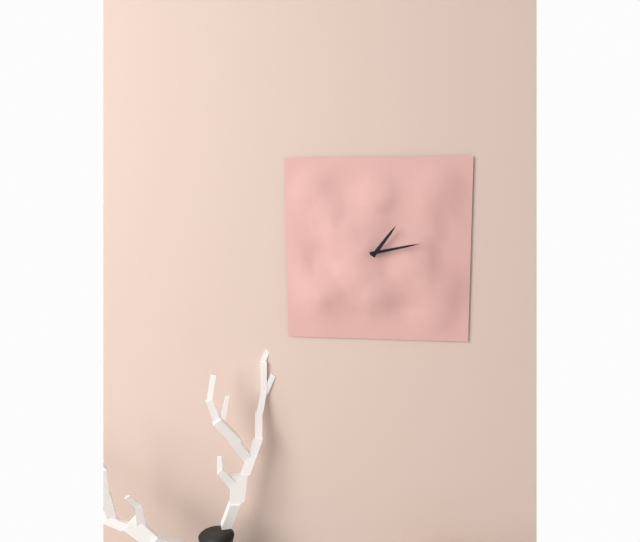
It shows 1.13
